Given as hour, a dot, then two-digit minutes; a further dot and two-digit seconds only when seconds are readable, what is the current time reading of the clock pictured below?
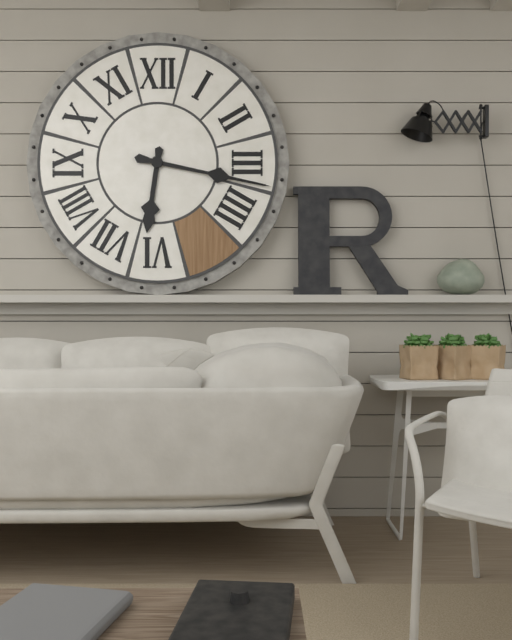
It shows 6.17
